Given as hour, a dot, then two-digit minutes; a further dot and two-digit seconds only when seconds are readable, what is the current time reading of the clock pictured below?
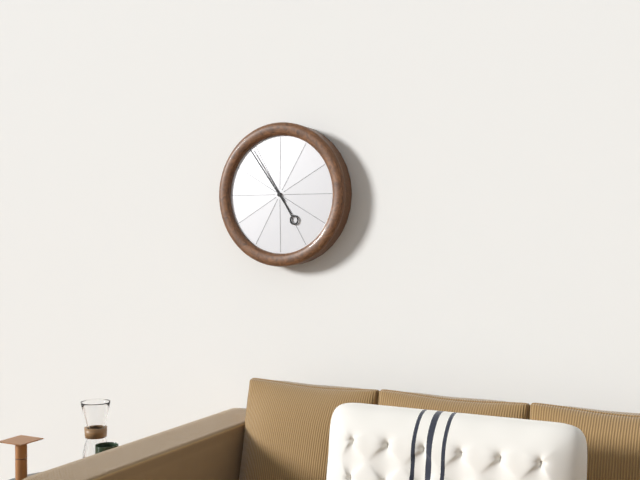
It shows 4.54
